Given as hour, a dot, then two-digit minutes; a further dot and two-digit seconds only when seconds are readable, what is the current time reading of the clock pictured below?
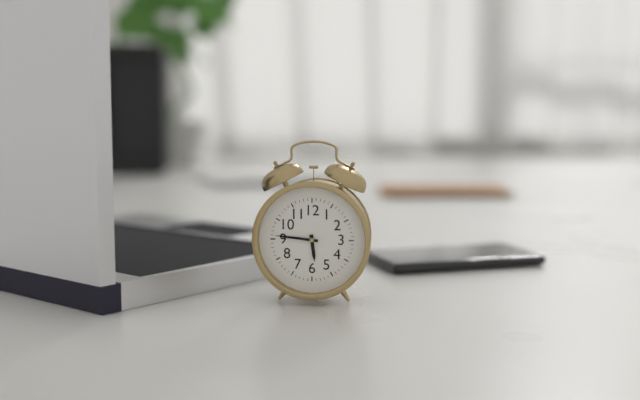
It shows 5.46
